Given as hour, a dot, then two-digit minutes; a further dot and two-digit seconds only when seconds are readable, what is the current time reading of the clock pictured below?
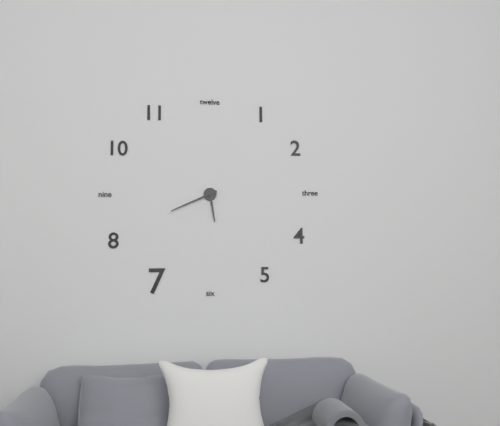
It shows 5.41
